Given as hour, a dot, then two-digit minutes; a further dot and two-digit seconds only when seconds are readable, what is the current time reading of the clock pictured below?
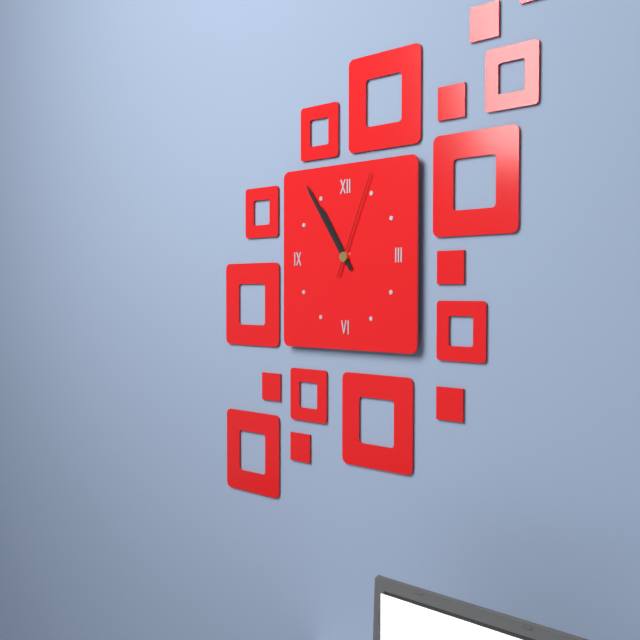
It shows 10.54.04
